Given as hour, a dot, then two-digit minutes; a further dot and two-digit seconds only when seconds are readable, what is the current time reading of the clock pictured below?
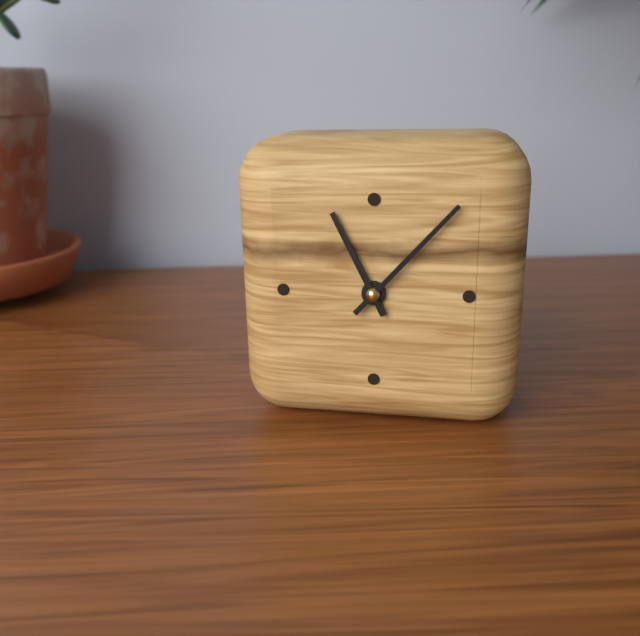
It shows 11.07
